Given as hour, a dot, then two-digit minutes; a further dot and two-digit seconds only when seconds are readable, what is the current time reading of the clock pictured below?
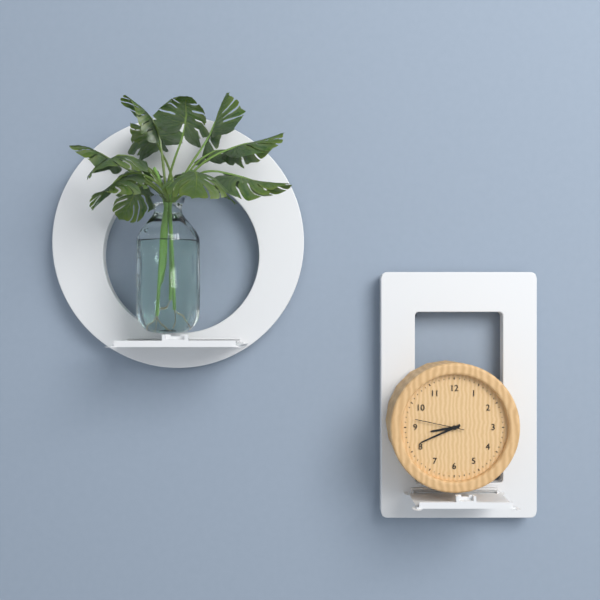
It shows 8.41.47
